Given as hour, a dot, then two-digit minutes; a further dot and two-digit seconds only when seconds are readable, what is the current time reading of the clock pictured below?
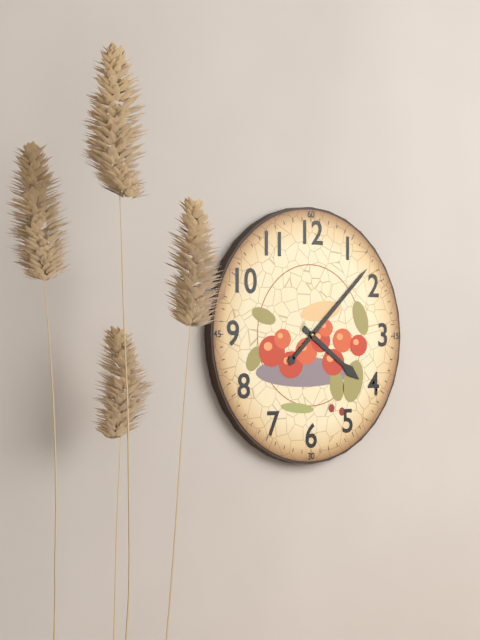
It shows 4.08
